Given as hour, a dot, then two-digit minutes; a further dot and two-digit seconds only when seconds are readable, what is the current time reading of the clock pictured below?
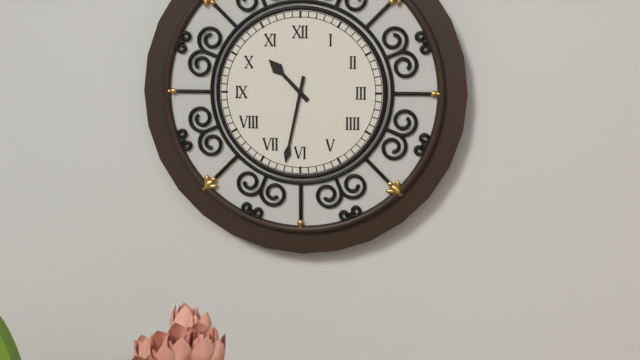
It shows 10.32
